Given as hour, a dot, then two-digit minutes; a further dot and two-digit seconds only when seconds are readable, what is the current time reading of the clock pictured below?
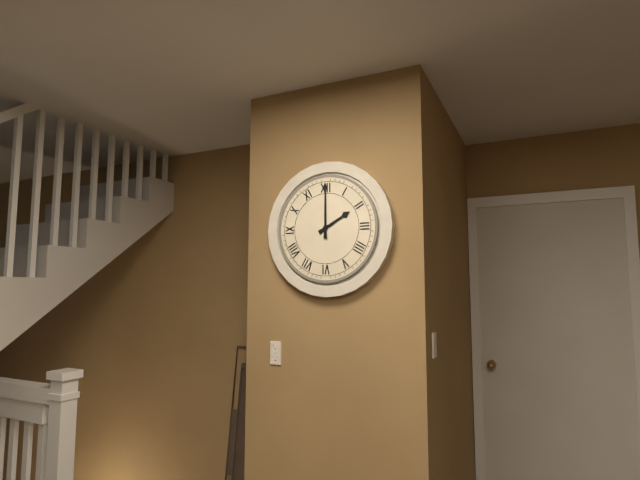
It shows 2.00
